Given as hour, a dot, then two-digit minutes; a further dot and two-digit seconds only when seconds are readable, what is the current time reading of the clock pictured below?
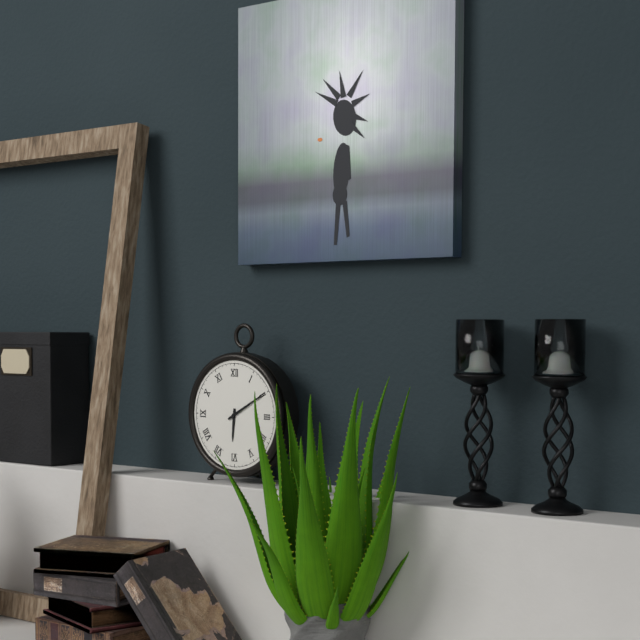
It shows 6.10
